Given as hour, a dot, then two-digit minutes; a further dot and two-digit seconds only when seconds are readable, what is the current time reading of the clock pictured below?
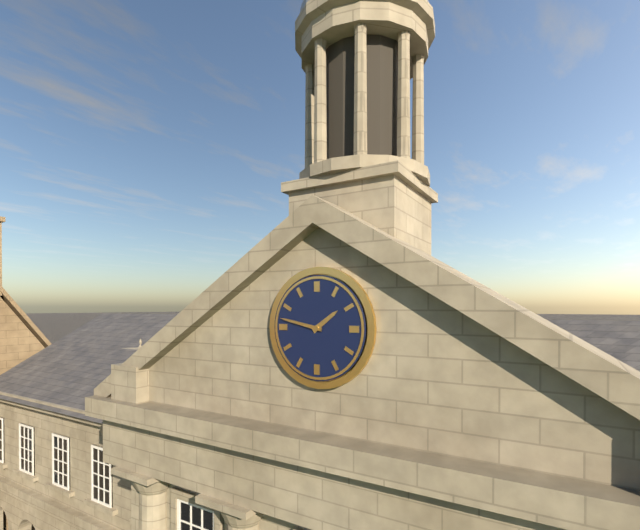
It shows 1.47
